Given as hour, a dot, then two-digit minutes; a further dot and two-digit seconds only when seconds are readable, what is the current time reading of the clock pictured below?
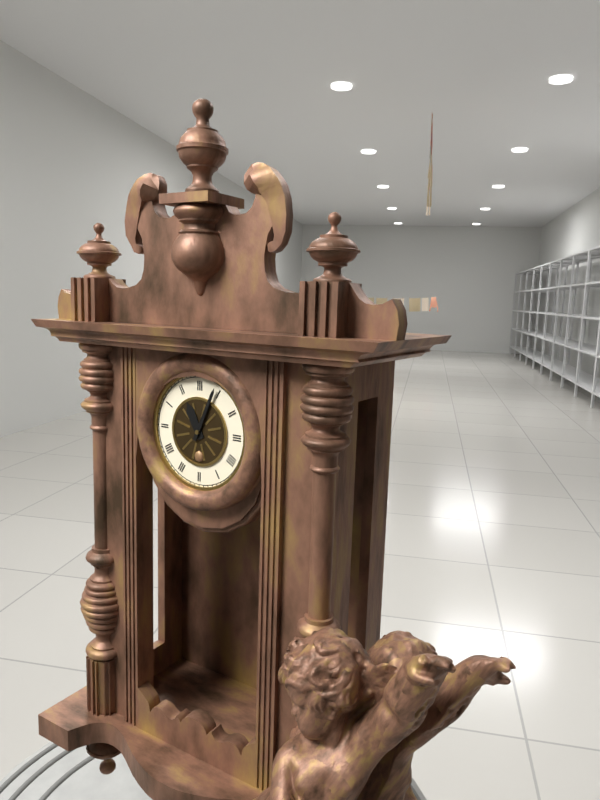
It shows 11.04
